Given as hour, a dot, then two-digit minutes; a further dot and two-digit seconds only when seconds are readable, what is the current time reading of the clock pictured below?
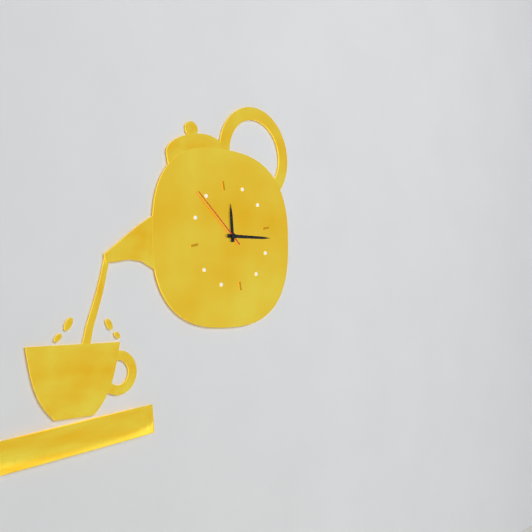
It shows 12.17.54
